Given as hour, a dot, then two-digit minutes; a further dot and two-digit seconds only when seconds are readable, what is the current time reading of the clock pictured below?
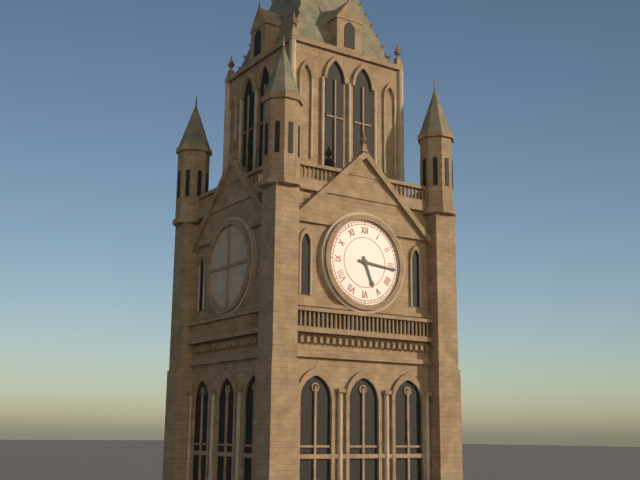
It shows 5.16
